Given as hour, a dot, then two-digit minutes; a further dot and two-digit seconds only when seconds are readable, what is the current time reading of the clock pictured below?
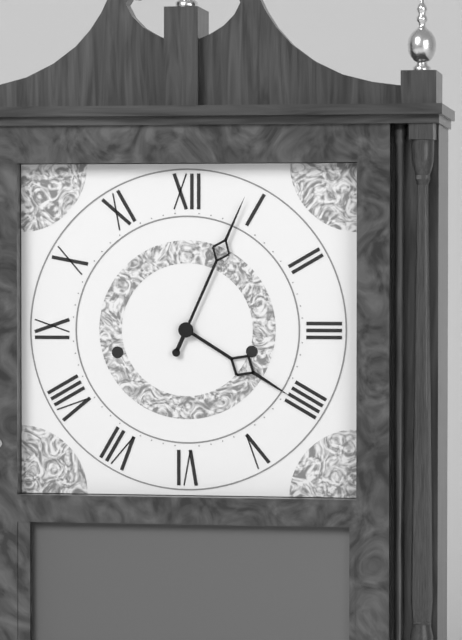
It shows 4.04
